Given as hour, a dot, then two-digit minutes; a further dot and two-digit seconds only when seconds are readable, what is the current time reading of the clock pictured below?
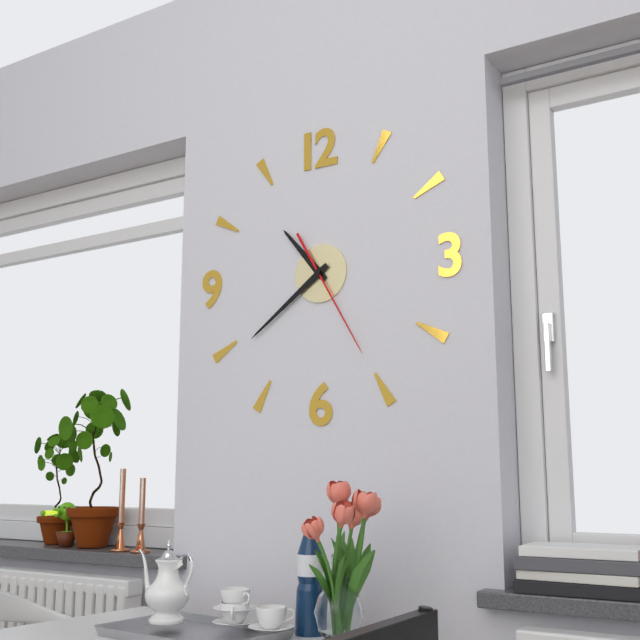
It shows 10.39.25
